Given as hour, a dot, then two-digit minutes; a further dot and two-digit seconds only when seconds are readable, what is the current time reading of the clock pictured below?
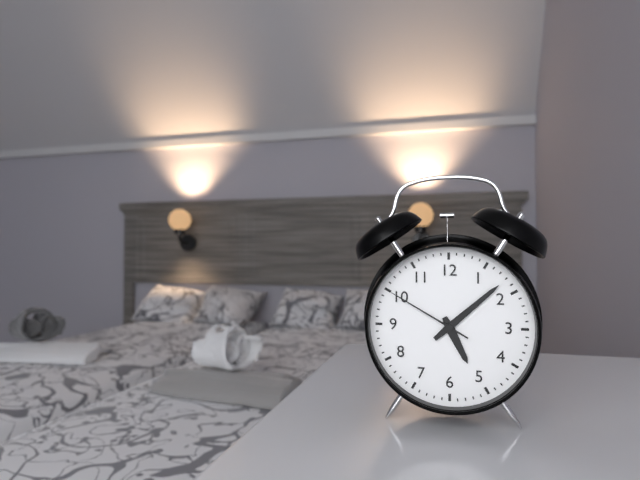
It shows 5.08.50
